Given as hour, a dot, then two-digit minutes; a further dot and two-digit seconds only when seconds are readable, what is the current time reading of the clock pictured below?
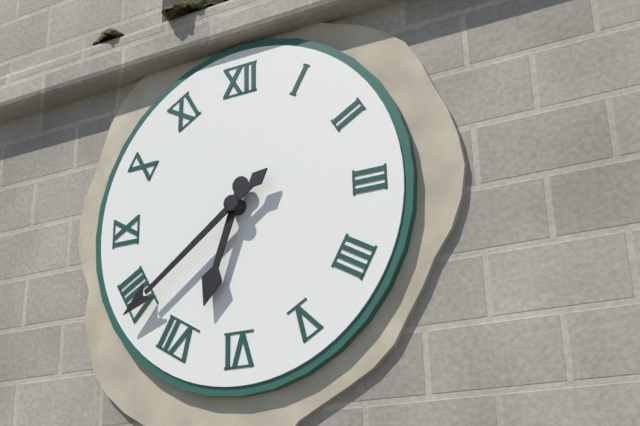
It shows 6.39
